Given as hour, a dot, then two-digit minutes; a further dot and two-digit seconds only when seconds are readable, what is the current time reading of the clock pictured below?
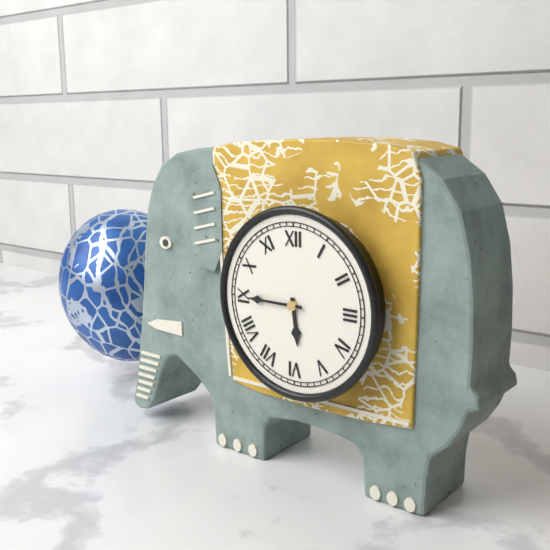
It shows 5.45
